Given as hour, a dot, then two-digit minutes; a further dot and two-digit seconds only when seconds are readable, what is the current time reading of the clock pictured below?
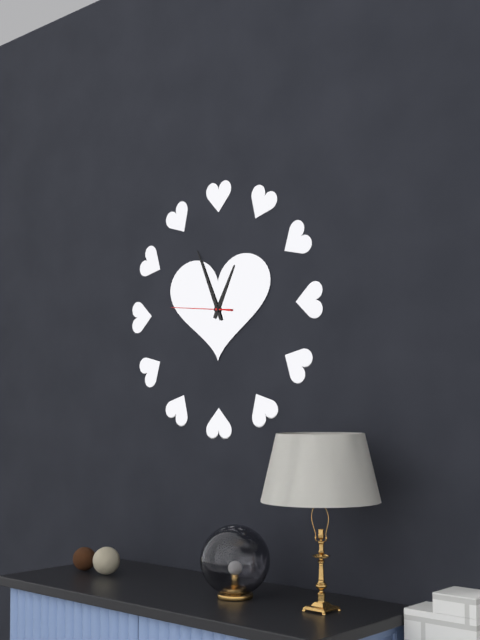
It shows 12.56.46
